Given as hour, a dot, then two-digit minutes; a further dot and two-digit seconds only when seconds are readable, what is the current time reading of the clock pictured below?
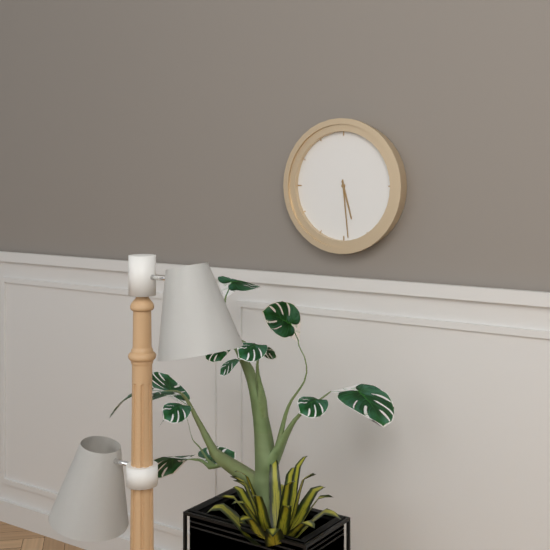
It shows 5.29
